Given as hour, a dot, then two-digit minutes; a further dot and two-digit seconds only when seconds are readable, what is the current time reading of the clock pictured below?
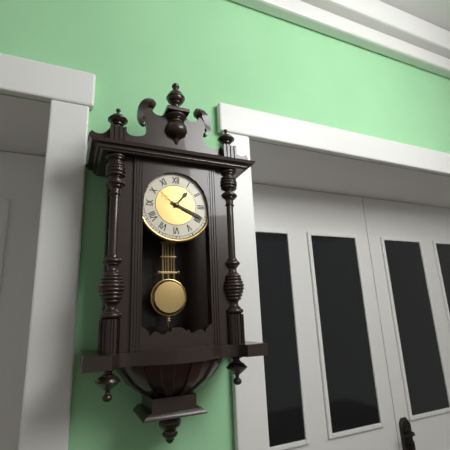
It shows 1.19
